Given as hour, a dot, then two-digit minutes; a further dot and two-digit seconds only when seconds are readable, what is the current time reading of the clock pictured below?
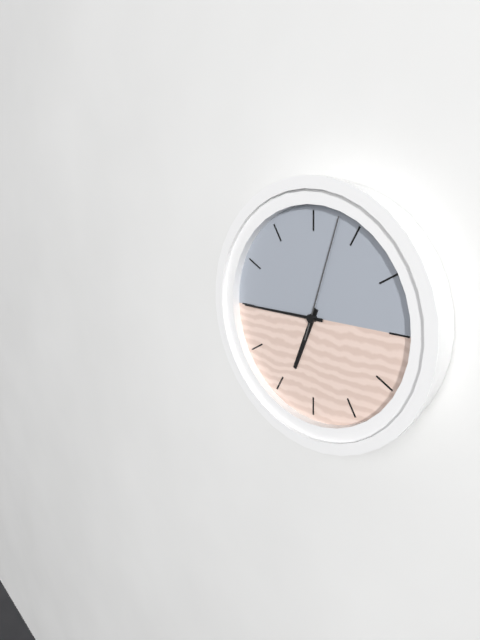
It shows 6.45.03
